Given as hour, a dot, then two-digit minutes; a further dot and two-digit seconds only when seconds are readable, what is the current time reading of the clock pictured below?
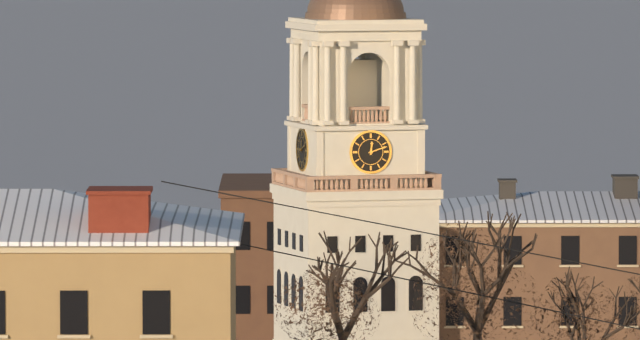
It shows 12.12
